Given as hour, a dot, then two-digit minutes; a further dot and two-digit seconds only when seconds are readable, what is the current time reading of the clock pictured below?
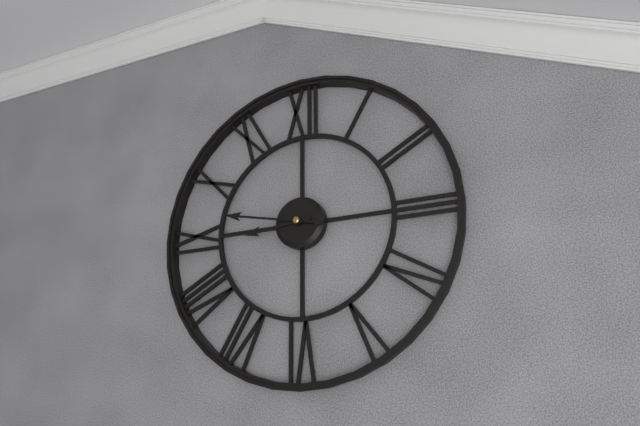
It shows 8.47
